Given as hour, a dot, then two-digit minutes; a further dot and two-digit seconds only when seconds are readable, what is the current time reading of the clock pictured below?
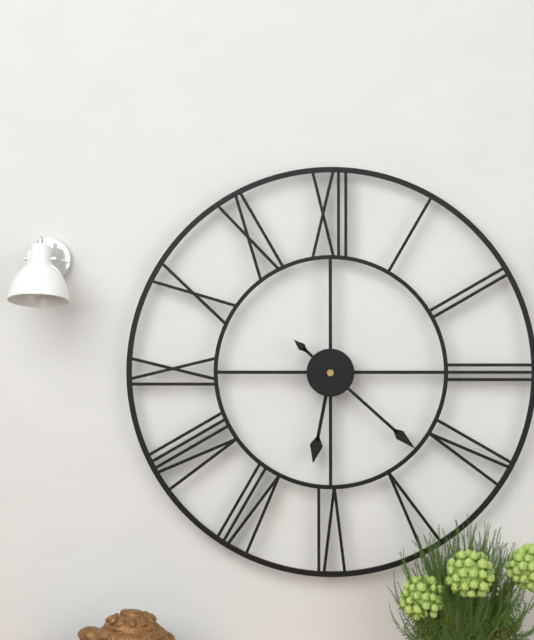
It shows 6.22
